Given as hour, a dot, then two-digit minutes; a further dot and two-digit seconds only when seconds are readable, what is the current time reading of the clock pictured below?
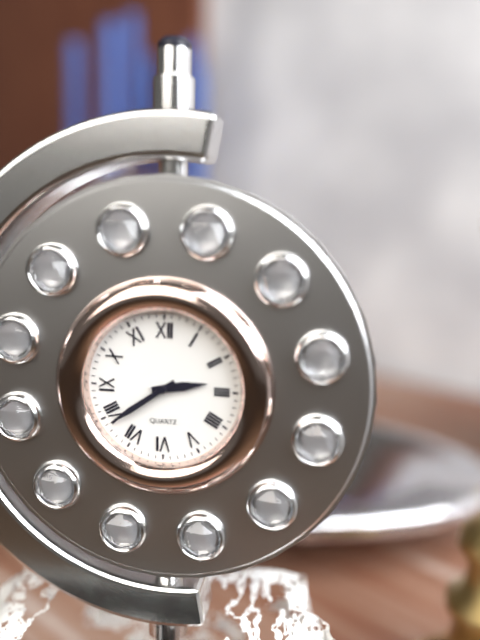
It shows 2.39
